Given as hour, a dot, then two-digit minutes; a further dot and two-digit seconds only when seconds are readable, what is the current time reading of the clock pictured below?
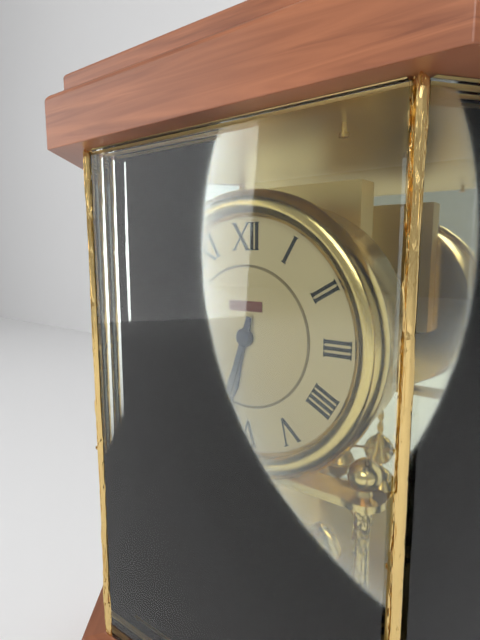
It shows 6.33
